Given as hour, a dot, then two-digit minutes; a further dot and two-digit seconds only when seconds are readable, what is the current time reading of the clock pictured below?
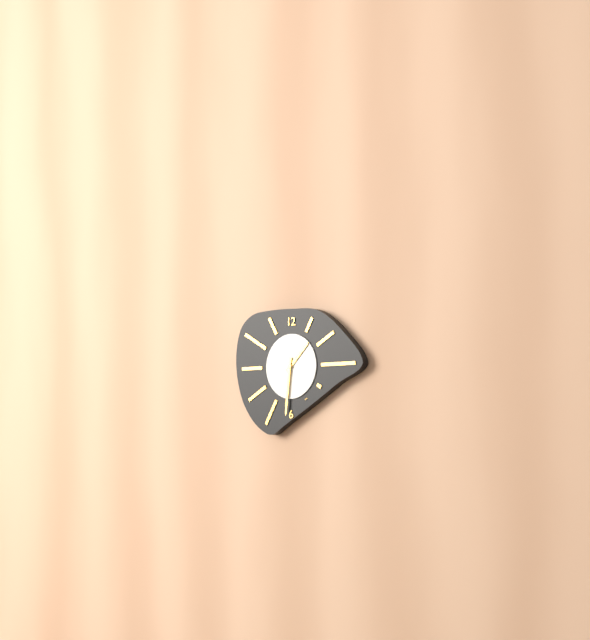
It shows 1.31
